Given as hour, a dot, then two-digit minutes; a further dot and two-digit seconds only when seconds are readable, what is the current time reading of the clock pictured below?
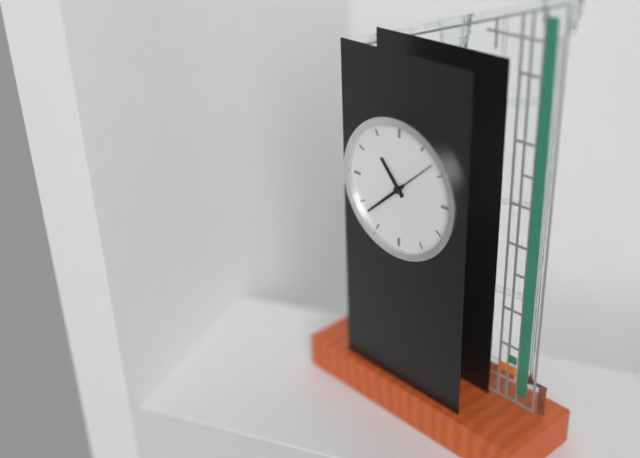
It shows 10.38.08
